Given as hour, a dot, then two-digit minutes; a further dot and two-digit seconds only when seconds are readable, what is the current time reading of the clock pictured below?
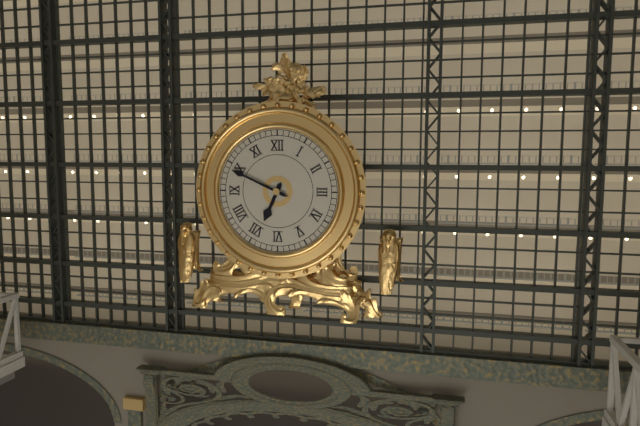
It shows 6.49
